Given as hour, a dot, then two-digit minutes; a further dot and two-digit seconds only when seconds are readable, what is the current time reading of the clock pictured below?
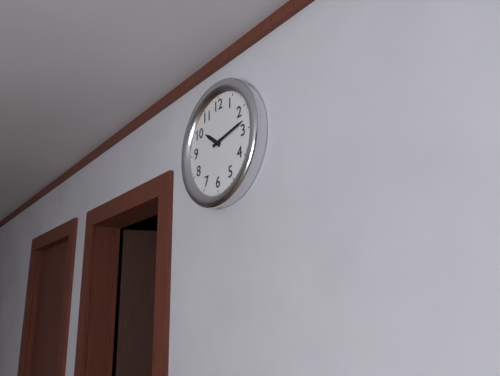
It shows 10.13
